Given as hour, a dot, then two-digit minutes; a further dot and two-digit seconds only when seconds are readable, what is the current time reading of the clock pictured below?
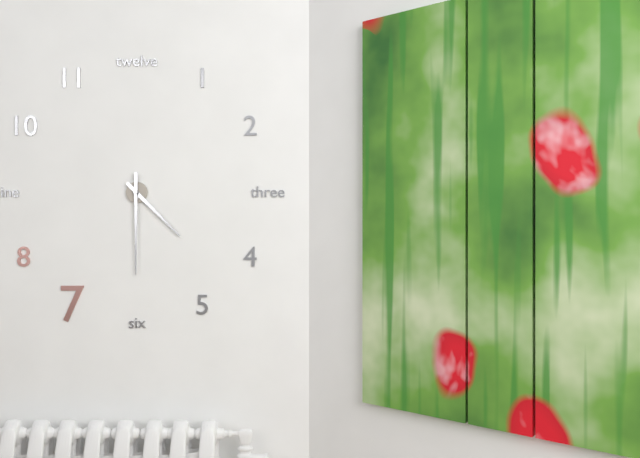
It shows 4.30
